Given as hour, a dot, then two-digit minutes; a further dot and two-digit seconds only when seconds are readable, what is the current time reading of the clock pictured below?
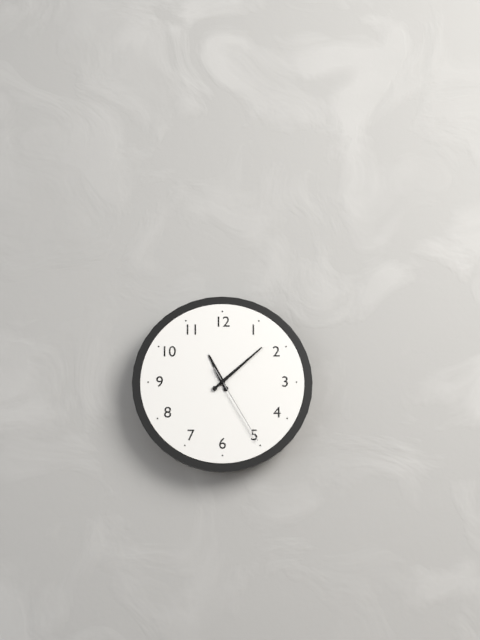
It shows 11.08.25
